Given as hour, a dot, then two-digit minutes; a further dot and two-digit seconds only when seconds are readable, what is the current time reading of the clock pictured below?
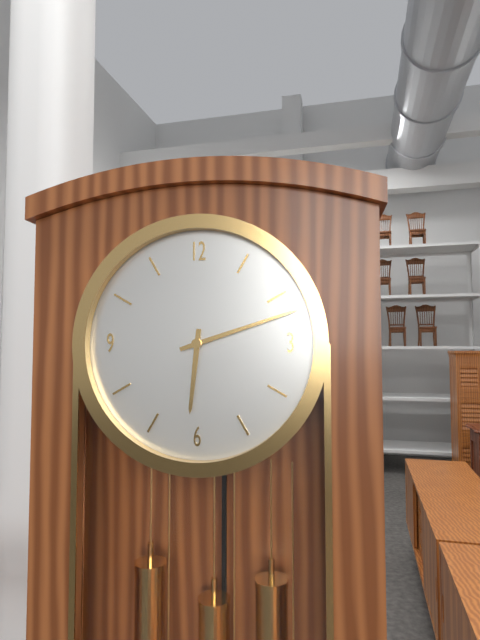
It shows 6.12
